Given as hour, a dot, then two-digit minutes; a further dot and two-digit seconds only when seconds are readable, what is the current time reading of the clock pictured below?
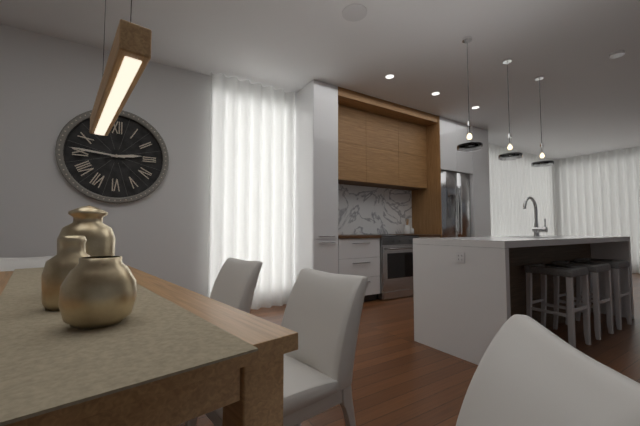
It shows 2.46
